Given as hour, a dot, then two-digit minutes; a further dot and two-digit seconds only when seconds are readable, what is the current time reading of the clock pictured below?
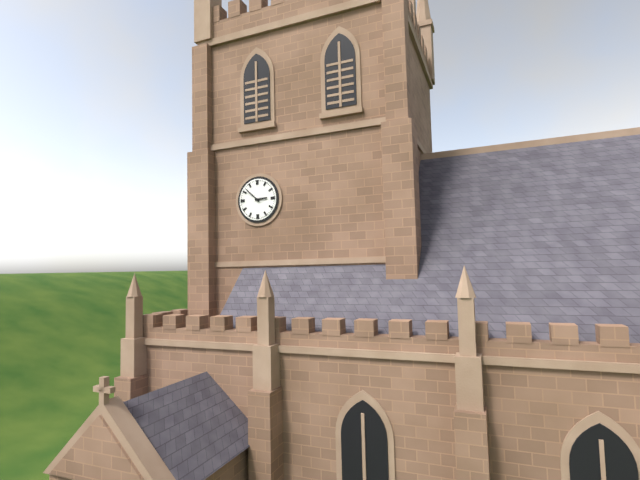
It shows 2.52
